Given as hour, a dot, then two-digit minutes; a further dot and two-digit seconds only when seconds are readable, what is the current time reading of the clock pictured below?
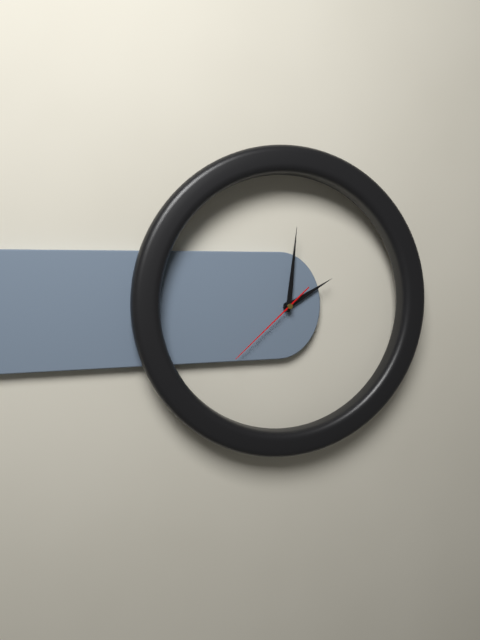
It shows 2.01.38
